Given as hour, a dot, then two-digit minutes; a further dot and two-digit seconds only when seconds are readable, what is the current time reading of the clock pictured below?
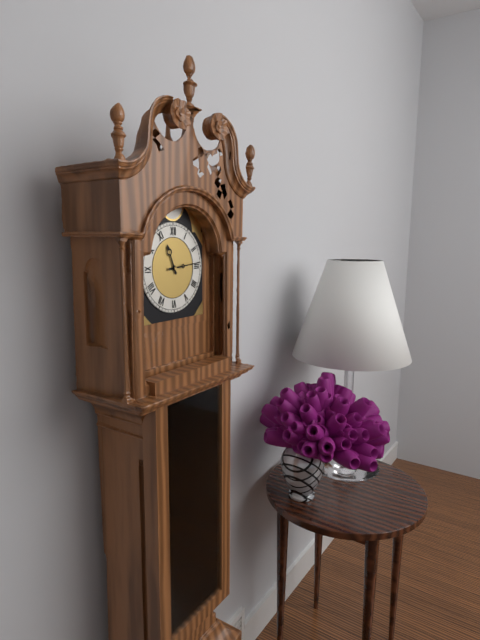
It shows 11.14
